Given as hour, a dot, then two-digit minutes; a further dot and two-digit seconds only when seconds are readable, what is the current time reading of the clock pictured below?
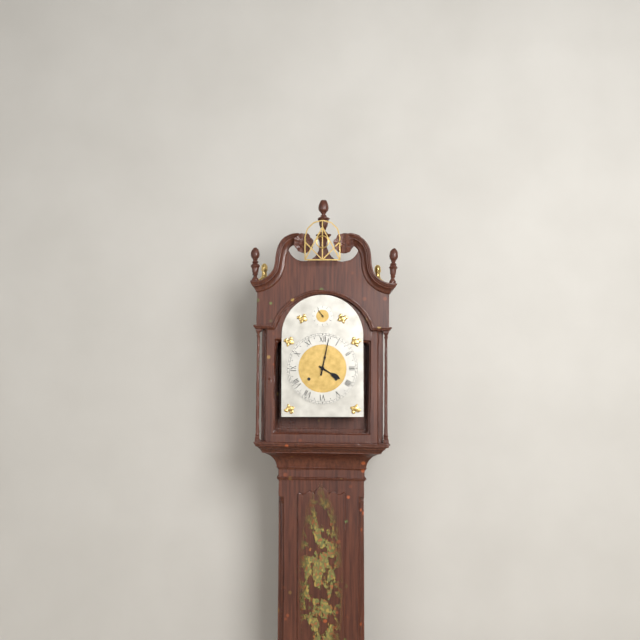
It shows 4.02
